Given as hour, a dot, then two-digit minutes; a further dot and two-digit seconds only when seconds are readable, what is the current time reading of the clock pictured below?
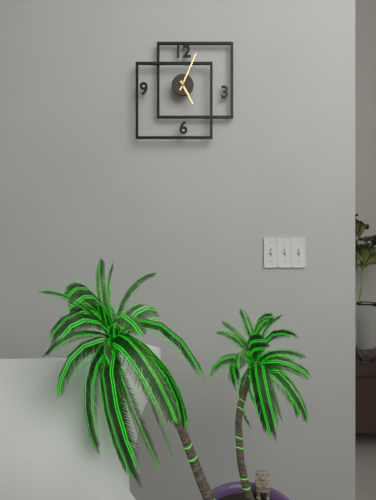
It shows 5.04
